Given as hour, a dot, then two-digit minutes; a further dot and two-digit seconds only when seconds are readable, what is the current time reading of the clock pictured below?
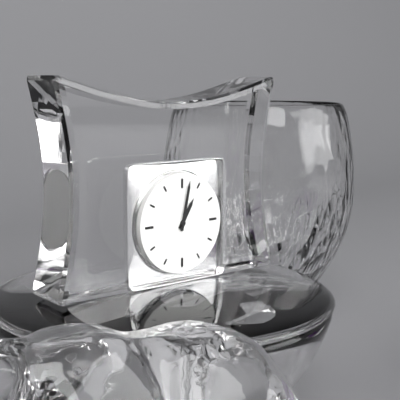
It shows 1.02
